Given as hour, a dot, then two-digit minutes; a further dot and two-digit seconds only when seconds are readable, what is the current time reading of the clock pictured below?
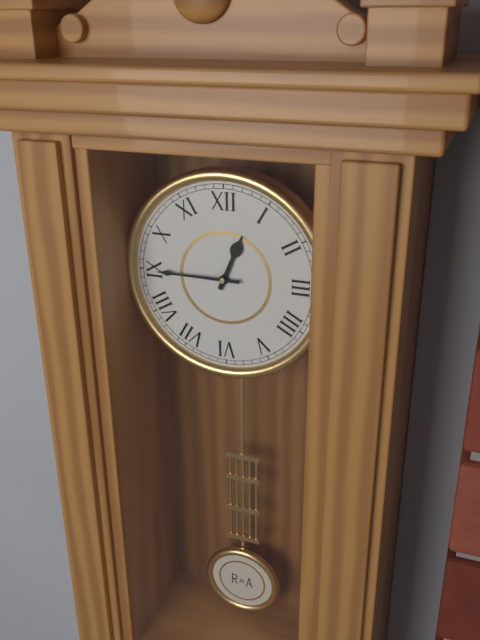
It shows 12.45
